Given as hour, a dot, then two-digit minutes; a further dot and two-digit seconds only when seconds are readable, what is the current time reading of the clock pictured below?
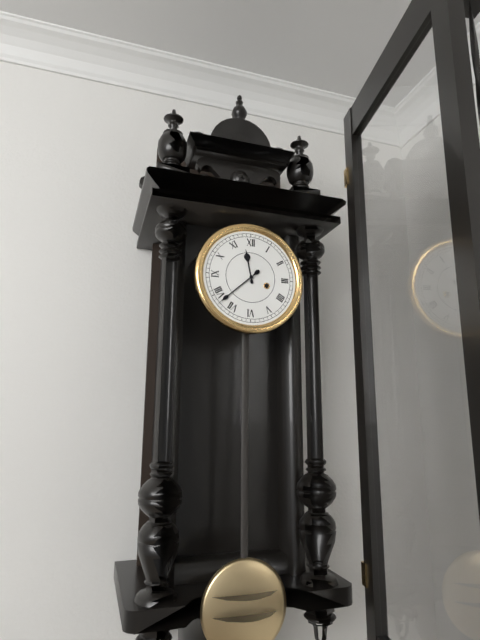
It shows 11.38
